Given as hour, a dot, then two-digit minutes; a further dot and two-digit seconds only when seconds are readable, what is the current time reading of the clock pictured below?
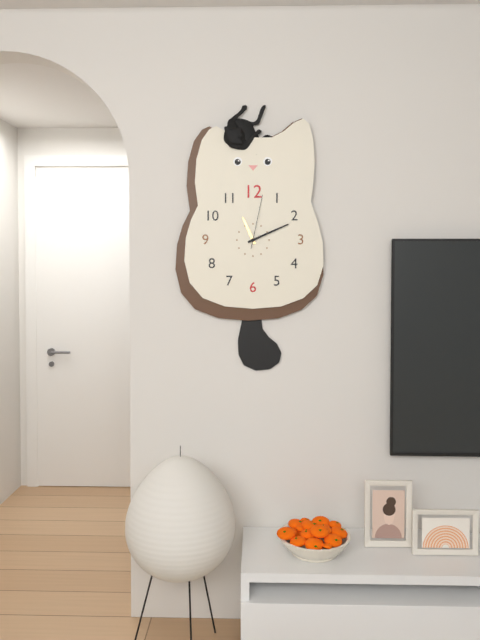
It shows 11.11.02
